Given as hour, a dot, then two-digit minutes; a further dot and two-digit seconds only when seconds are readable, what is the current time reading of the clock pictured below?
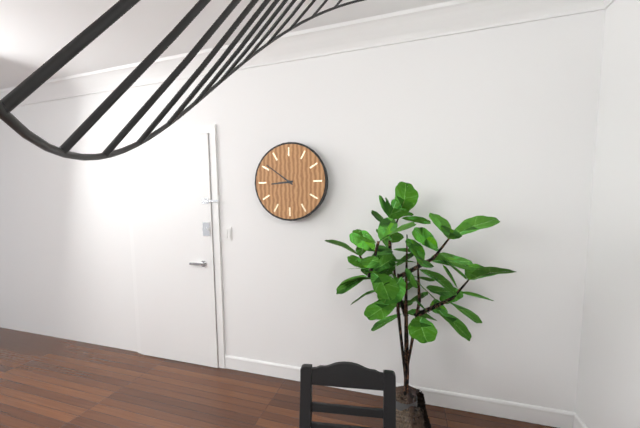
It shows 8.51
